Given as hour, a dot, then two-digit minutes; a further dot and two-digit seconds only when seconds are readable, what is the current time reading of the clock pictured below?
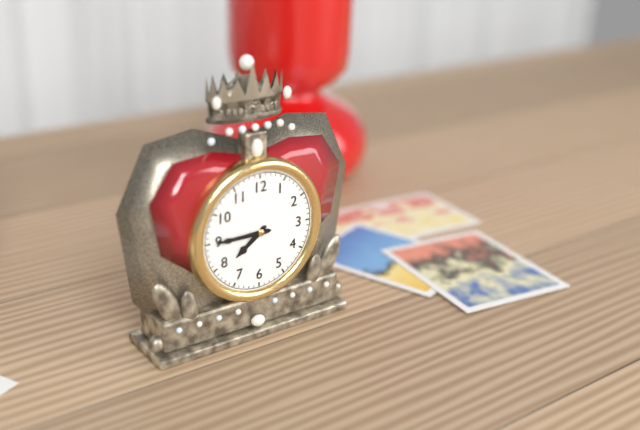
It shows 7.45
